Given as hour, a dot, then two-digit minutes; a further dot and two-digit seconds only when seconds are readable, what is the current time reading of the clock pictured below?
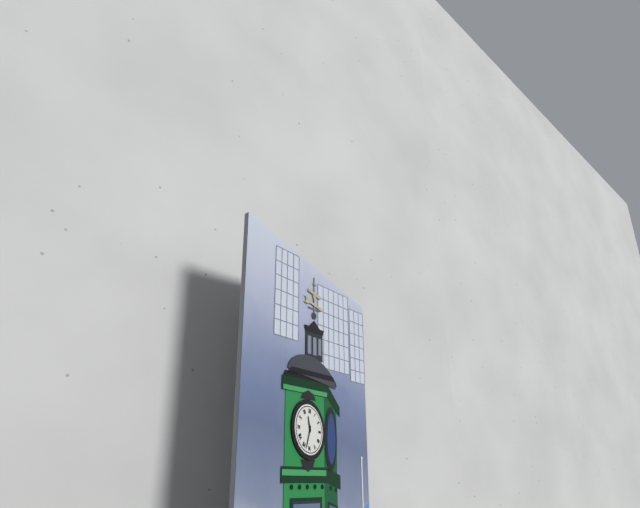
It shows 11.33
